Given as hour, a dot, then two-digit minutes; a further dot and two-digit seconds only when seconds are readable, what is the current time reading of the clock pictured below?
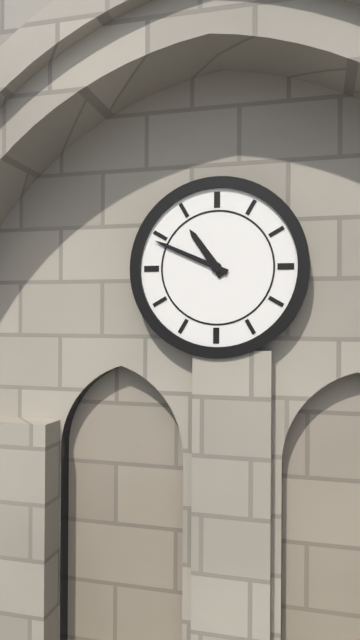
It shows 10.49
